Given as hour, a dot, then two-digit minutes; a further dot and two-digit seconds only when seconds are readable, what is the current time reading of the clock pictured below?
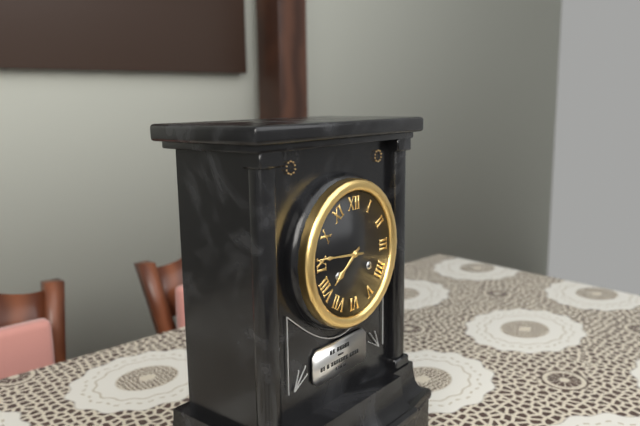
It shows 7.46
